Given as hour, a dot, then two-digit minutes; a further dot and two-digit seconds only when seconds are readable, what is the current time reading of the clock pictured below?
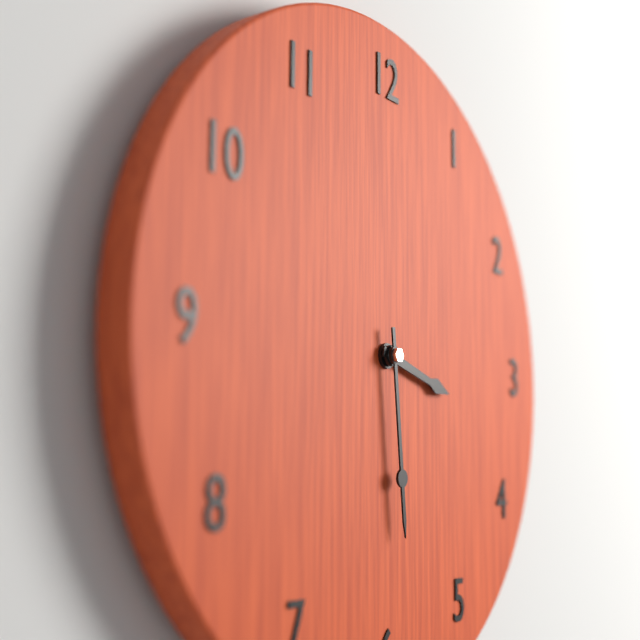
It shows 3.29
